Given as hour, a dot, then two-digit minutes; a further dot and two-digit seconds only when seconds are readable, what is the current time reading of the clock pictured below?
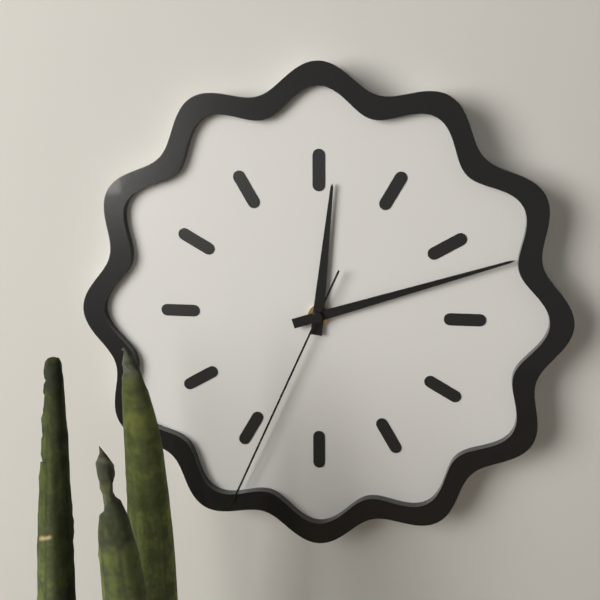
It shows 12.12.34
